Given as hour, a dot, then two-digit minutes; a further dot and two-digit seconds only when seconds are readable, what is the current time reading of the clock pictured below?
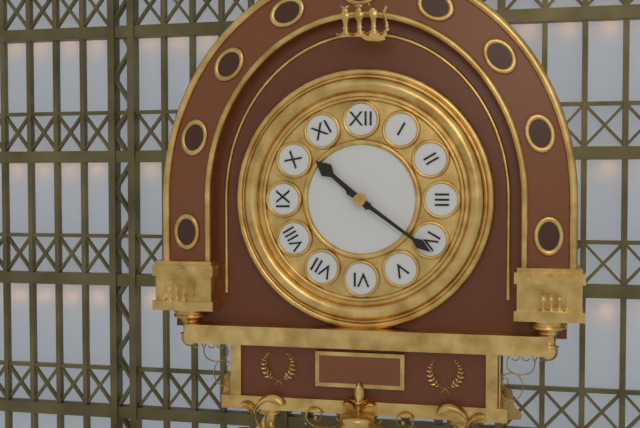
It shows 10.21
